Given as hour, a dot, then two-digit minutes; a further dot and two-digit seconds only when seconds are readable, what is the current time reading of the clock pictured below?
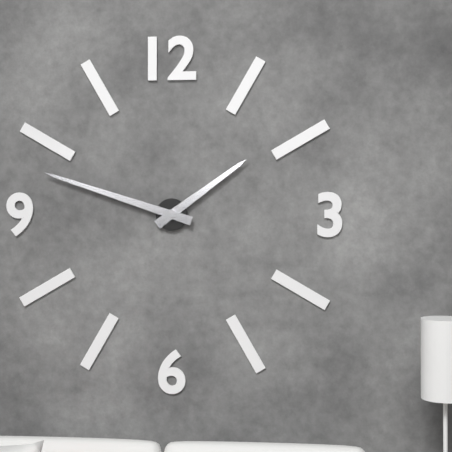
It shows 1.48
